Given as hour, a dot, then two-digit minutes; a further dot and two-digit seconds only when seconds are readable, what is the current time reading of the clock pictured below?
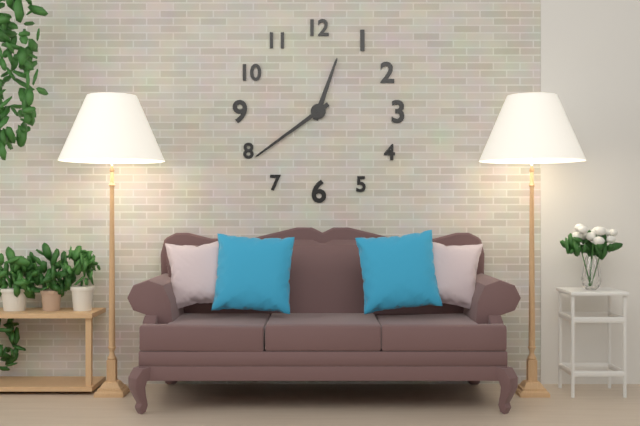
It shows 12.39
